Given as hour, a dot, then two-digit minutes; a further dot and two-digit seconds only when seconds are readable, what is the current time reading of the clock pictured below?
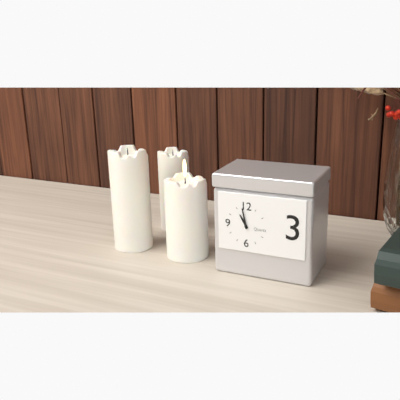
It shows 10.58
